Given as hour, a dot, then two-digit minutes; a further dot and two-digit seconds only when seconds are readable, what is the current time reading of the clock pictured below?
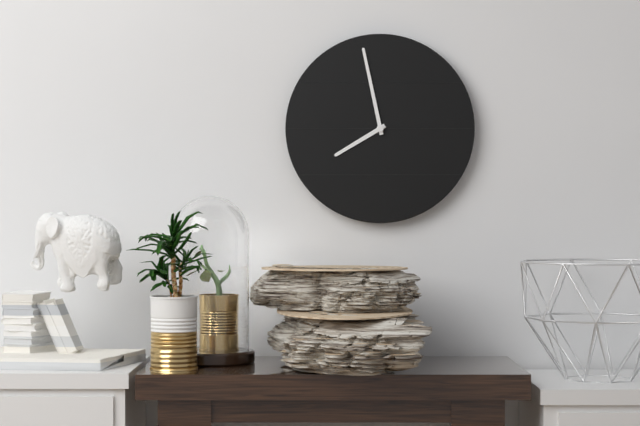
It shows 7.58
